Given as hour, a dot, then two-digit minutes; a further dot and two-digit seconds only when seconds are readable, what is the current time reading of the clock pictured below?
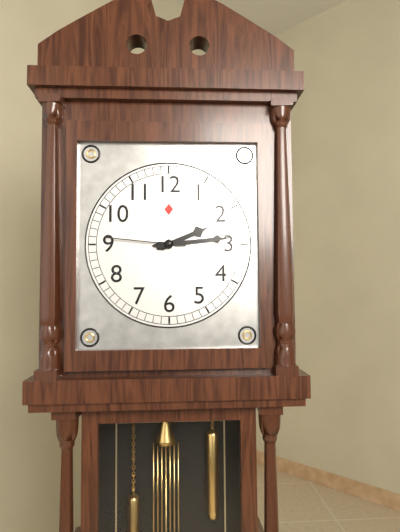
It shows 2.14.46
